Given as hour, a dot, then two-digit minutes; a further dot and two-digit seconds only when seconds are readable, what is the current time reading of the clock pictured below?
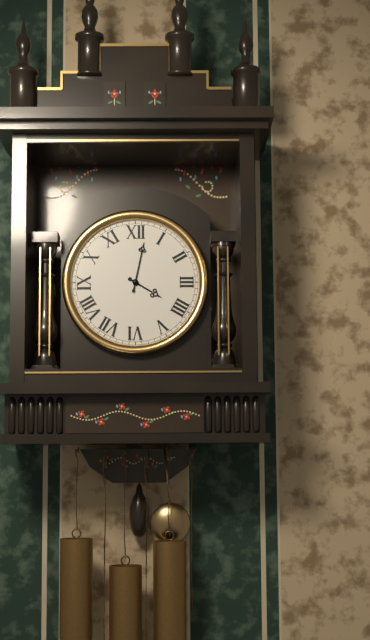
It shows 4.02
